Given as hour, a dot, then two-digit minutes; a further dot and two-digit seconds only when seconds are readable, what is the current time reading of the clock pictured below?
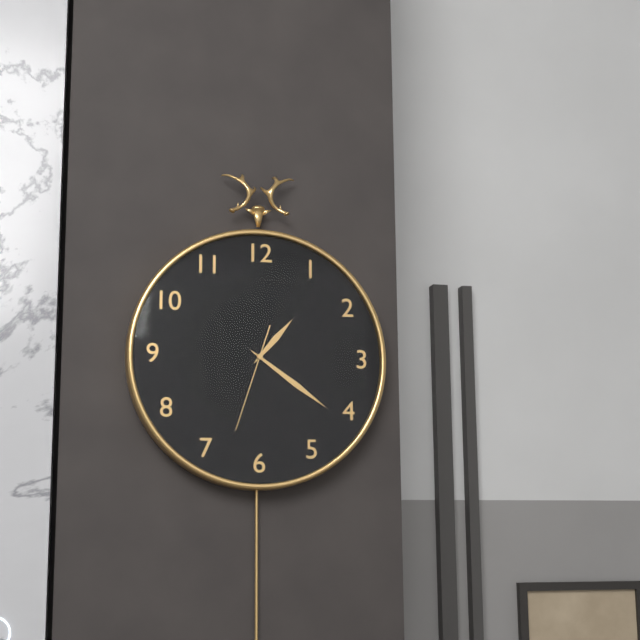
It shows 1.21.33
